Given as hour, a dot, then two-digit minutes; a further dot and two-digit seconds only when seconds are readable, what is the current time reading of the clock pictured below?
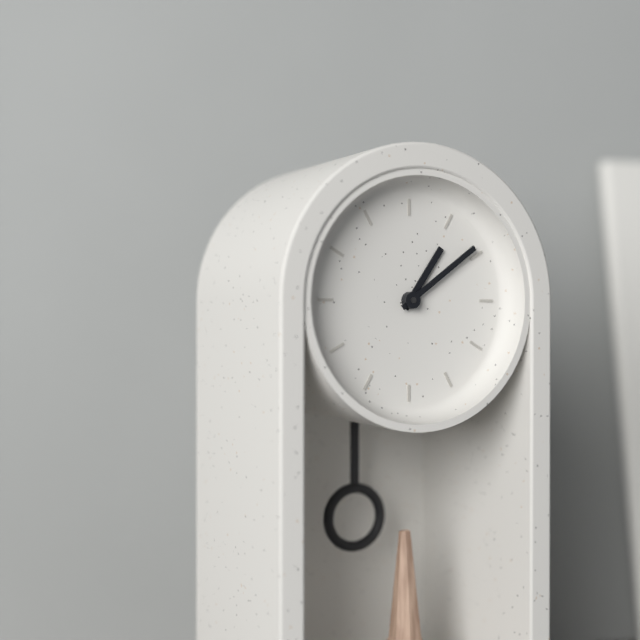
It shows 1.09
